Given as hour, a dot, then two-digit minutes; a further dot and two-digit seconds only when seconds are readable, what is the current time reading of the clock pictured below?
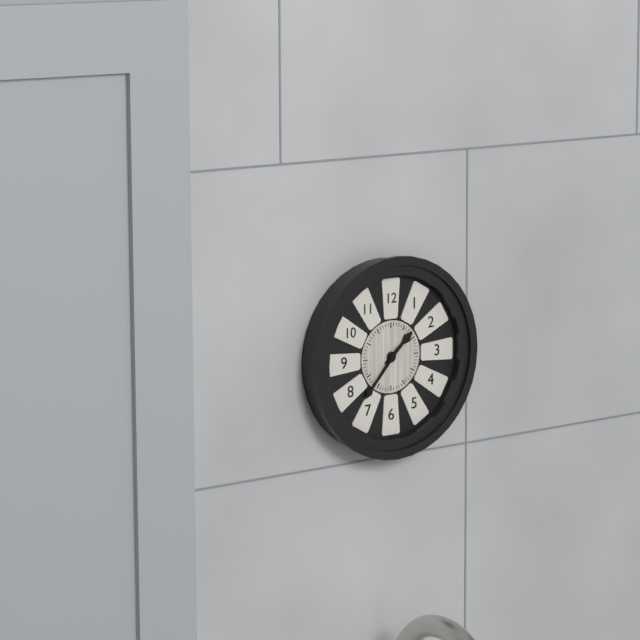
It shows 1.37
